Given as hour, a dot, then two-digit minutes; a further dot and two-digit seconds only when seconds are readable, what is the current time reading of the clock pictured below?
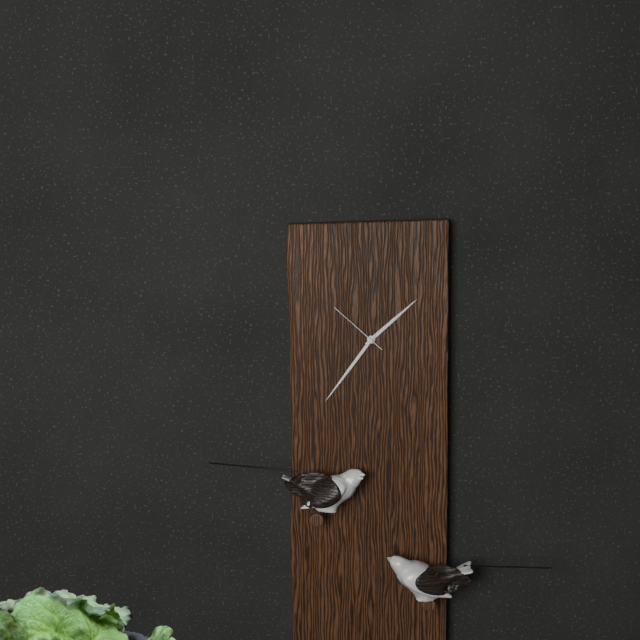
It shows 1.36.52
